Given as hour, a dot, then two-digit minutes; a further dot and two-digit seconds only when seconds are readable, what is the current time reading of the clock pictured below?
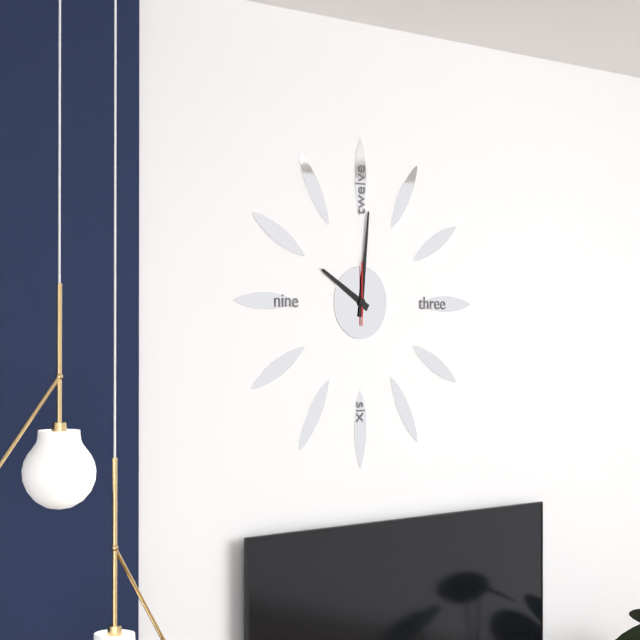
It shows 10.01.00
